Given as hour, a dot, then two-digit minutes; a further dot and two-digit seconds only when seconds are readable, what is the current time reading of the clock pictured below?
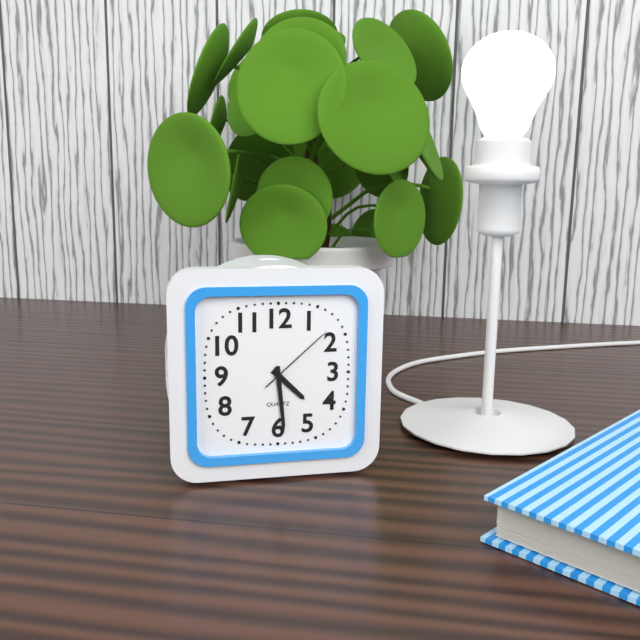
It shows 4.29.08
